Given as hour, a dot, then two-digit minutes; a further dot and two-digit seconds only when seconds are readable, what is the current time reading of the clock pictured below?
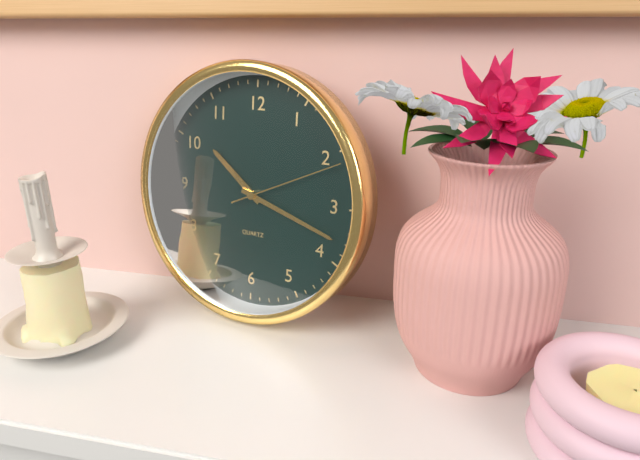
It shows 10.18.11
